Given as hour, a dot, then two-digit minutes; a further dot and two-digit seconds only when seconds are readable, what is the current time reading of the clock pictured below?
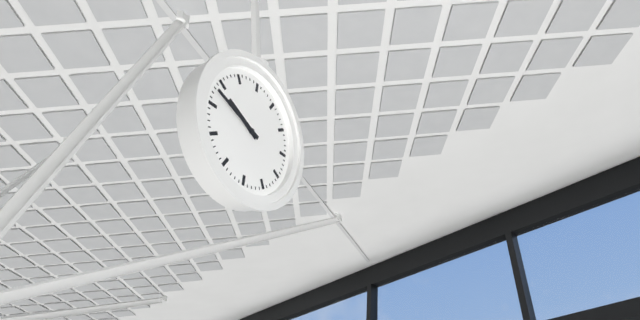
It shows 9.48
